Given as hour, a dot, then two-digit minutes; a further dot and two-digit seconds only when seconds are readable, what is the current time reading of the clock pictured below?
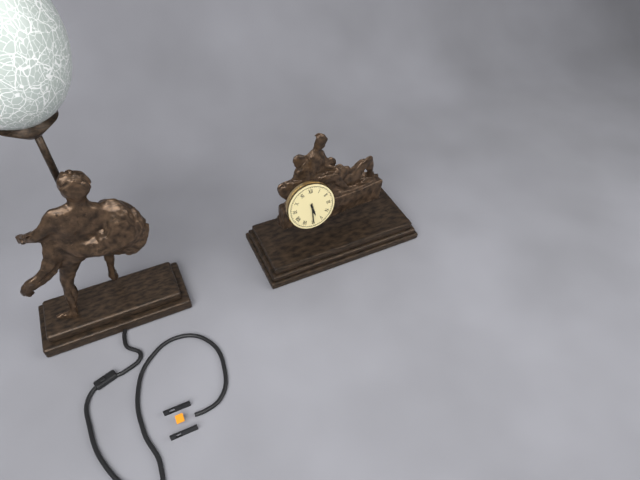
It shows 5.30
